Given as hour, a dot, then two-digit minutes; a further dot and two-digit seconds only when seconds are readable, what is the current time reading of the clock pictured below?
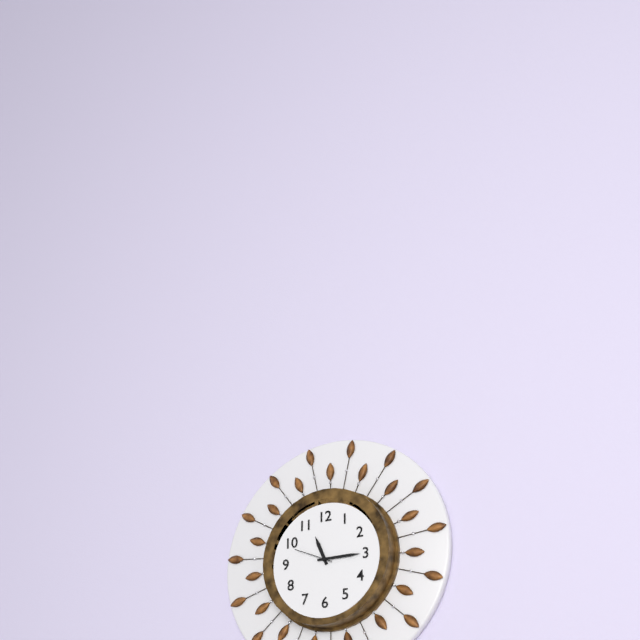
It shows 11.15
